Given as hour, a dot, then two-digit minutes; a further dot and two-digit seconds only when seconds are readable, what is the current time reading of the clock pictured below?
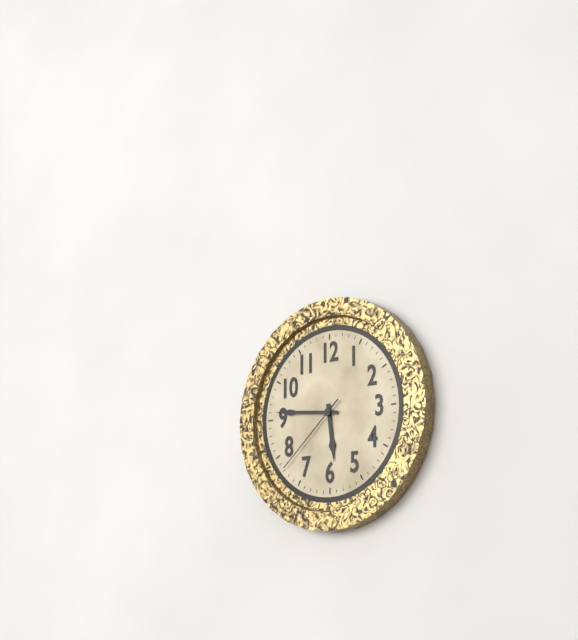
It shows 5.46.38
